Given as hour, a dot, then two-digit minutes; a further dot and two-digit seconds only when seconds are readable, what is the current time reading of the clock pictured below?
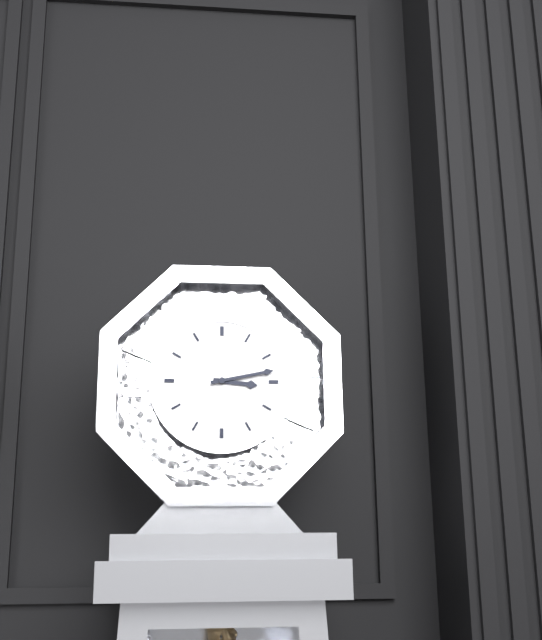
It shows 3.13
